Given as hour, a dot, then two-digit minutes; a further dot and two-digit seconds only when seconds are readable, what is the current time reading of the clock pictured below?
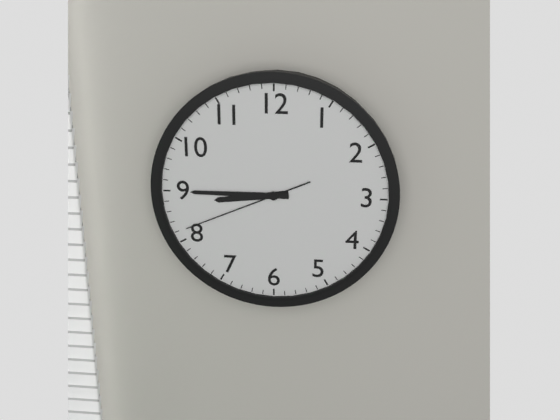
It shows 8.45.41
